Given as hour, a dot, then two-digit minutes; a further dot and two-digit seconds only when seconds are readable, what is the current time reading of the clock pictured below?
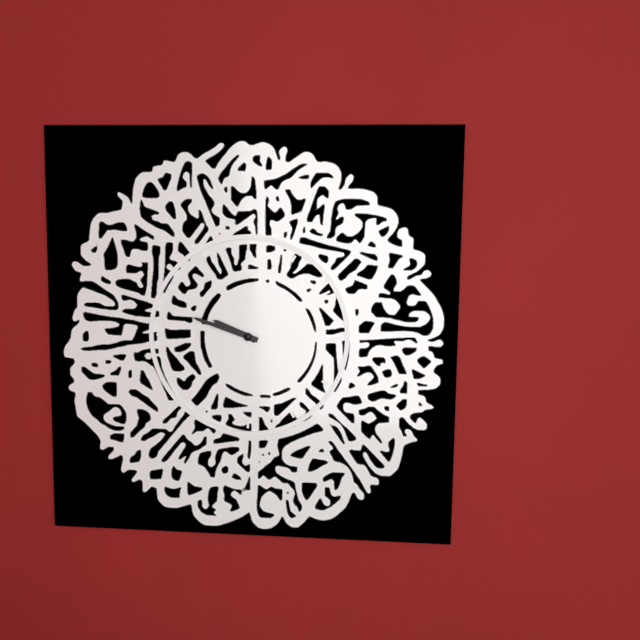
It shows 9.48
